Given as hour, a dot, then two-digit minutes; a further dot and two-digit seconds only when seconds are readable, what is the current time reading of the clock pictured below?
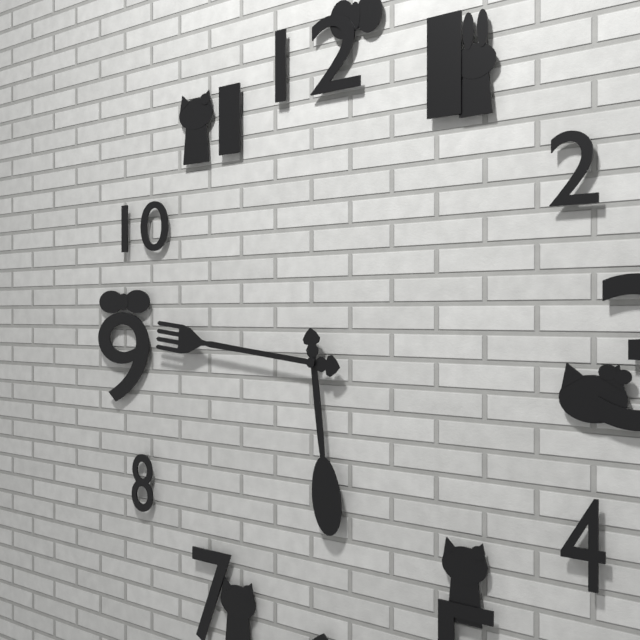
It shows 5.46
